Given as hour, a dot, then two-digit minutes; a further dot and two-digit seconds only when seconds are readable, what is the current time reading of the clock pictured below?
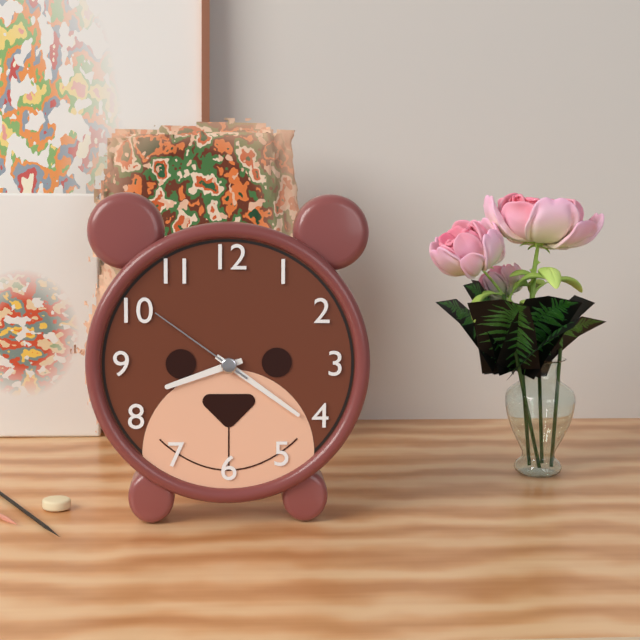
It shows 8.21.51
